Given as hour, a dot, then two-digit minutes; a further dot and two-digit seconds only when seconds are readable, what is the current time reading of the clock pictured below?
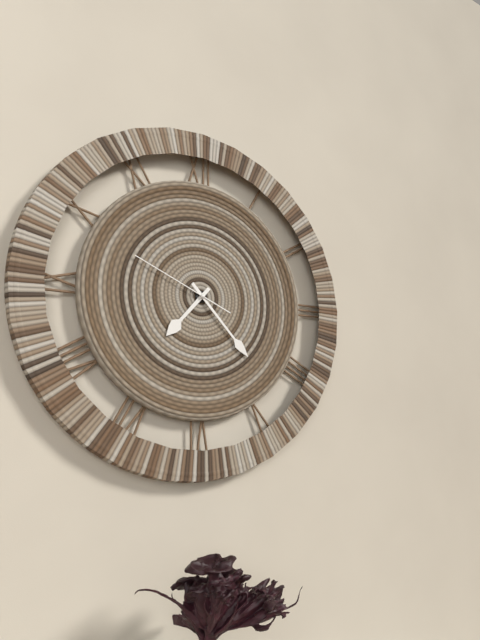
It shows 7.23.49
